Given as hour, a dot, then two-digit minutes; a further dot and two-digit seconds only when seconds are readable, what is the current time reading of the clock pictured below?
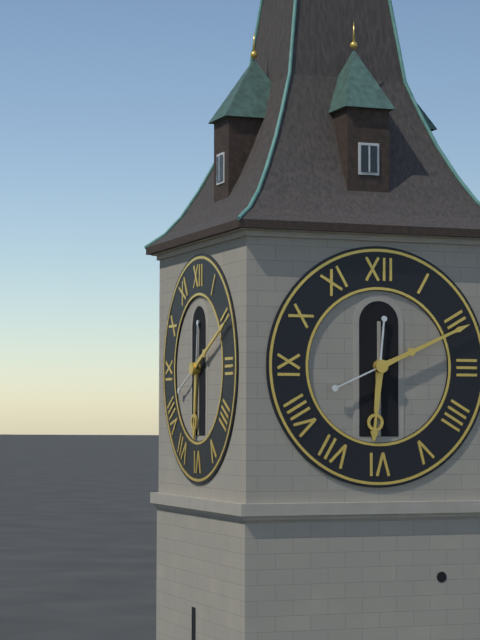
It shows 6.11
